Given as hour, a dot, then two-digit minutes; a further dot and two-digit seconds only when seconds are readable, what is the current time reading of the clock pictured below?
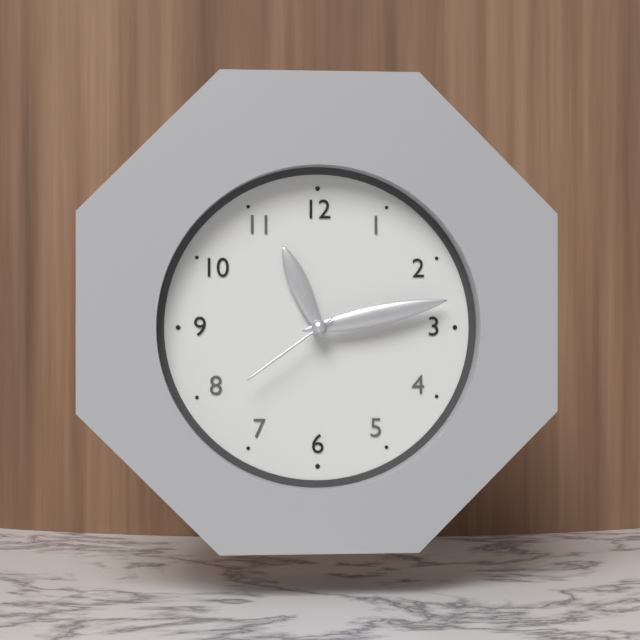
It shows 11.13.39
